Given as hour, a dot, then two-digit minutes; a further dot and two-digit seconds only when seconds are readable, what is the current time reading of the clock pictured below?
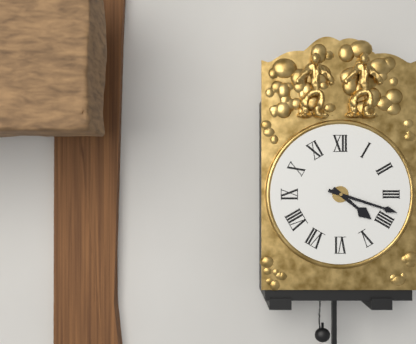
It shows 4.18
